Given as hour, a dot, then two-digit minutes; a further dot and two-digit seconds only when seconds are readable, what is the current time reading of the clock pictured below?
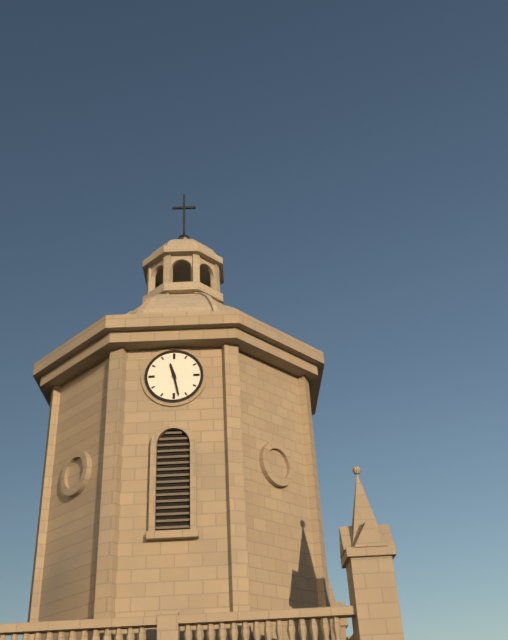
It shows 11.28
